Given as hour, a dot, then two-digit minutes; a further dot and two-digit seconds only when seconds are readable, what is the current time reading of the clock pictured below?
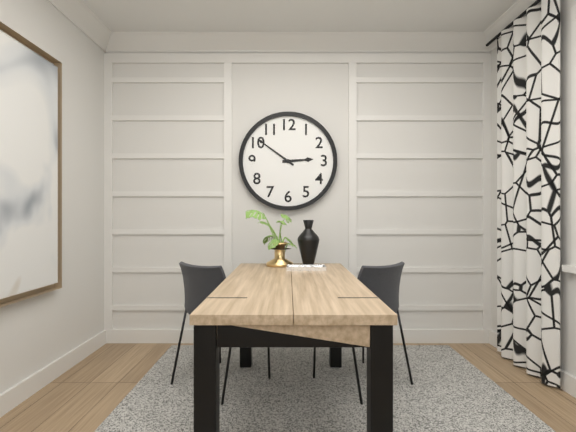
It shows 2.51
